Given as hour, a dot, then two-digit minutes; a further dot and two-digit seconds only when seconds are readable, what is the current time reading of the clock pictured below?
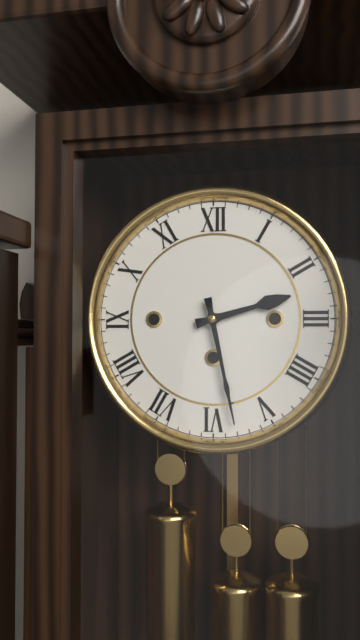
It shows 2.28
